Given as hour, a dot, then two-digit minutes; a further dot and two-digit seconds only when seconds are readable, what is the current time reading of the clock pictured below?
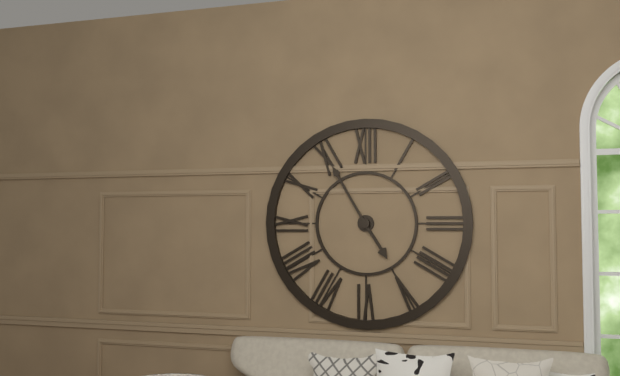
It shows 4.55
